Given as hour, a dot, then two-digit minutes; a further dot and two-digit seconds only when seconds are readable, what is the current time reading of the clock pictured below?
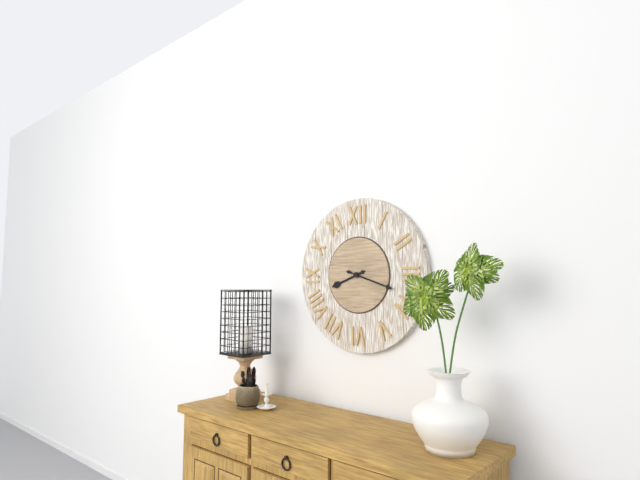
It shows 8.18
